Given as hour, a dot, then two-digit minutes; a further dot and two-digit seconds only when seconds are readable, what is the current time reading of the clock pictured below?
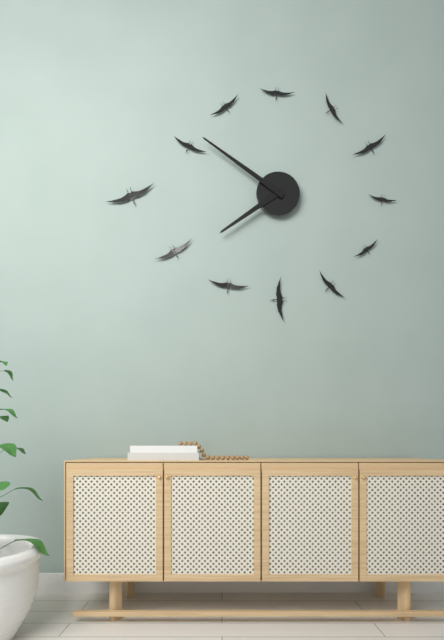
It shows 7.51
